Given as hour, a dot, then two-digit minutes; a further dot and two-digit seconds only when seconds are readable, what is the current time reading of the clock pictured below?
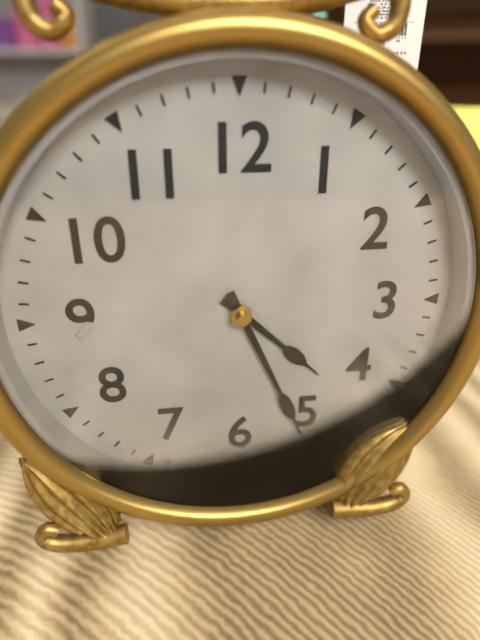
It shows 4.26
